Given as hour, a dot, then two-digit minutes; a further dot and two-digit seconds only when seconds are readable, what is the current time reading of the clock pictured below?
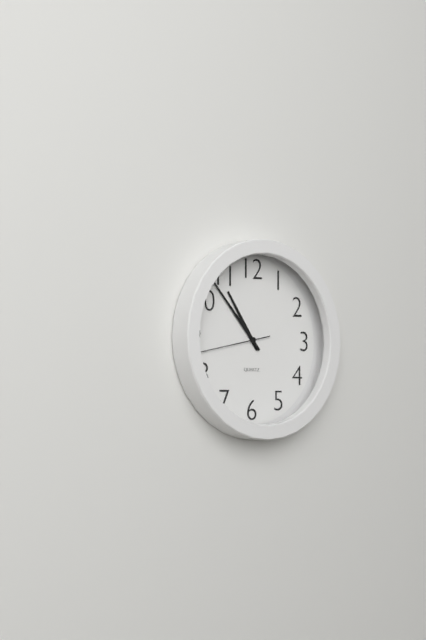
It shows 10.53.43
